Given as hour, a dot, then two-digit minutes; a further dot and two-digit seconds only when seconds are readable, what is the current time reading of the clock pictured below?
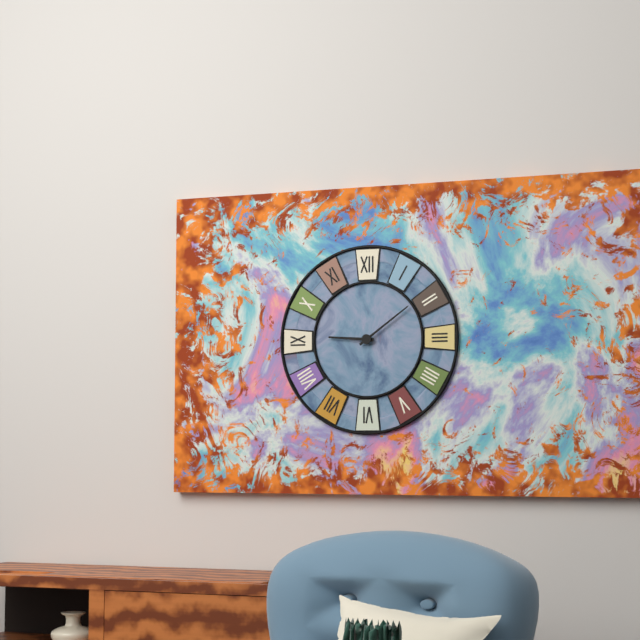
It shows 9.09
